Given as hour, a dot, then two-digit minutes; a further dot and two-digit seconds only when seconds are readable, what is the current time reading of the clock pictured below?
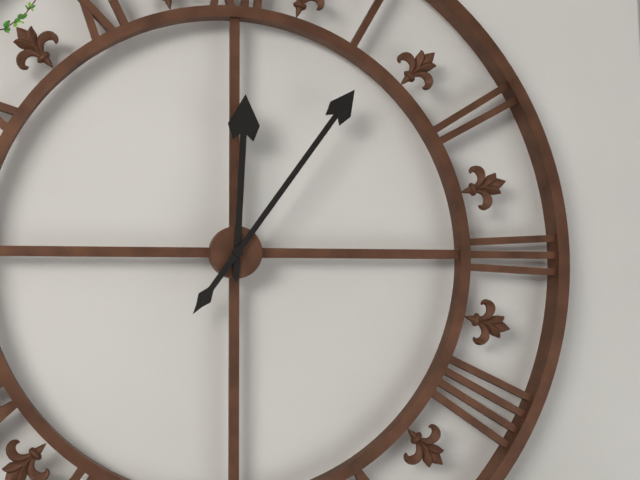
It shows 12.06
